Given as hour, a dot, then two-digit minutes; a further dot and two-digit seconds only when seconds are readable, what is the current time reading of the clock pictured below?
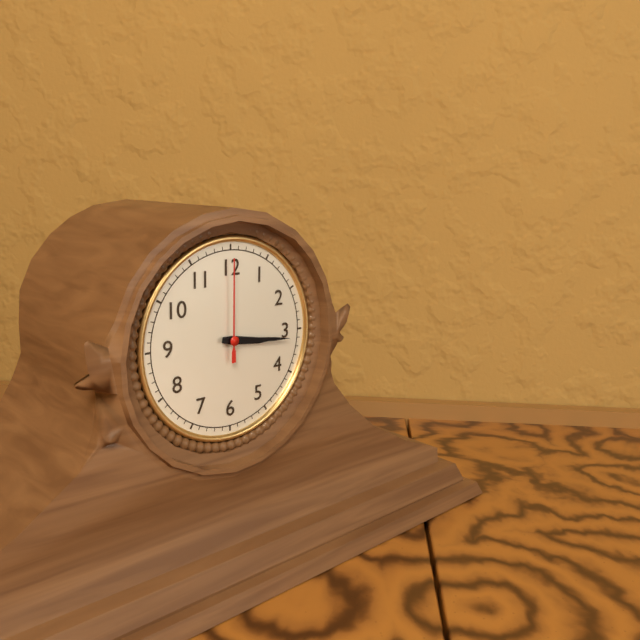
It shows 3.16.00
